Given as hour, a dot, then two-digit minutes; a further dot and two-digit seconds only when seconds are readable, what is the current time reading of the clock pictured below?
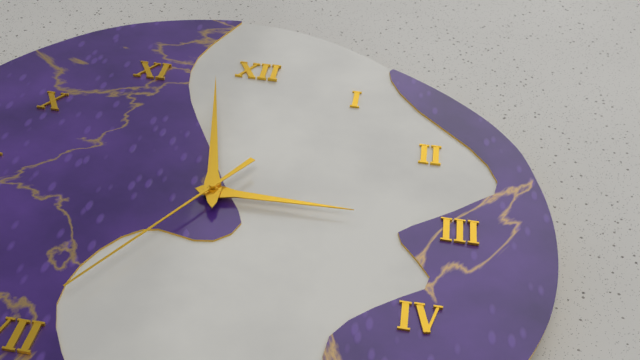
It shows 2.58.35
